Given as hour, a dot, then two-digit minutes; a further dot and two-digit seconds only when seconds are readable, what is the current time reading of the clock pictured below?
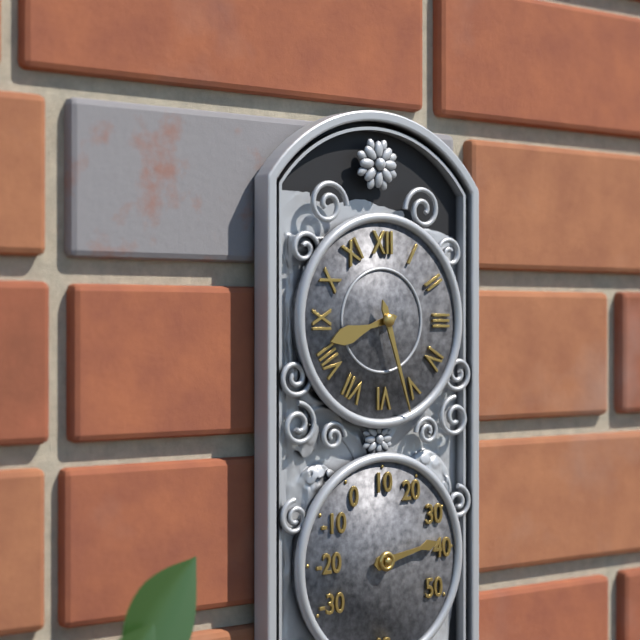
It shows 8.27
